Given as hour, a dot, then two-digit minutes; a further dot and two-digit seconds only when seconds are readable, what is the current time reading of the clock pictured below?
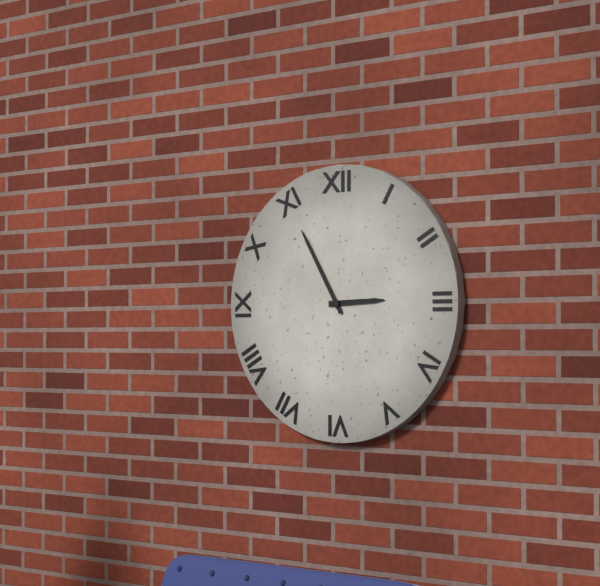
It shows 2.55
